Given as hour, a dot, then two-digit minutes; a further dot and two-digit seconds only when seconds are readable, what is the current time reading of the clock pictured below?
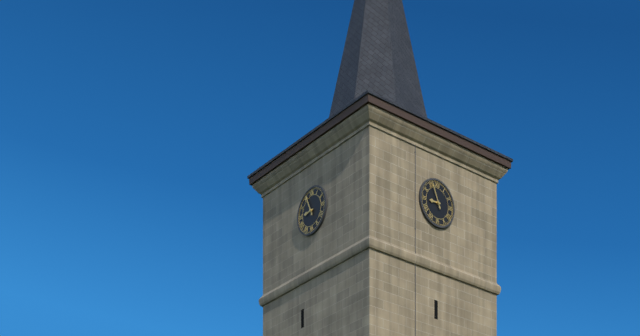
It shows 8.56
